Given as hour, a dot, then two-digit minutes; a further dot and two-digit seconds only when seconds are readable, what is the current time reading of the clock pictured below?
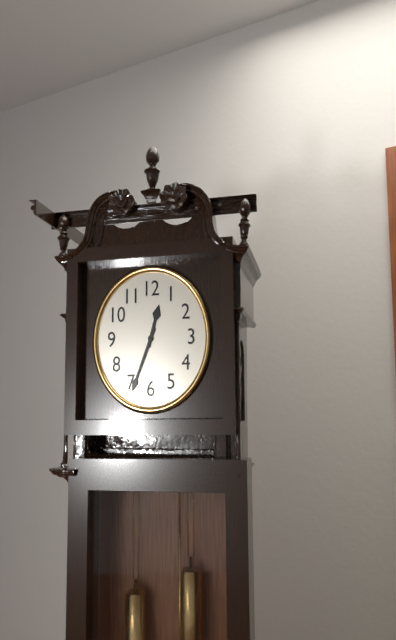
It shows 12.34
